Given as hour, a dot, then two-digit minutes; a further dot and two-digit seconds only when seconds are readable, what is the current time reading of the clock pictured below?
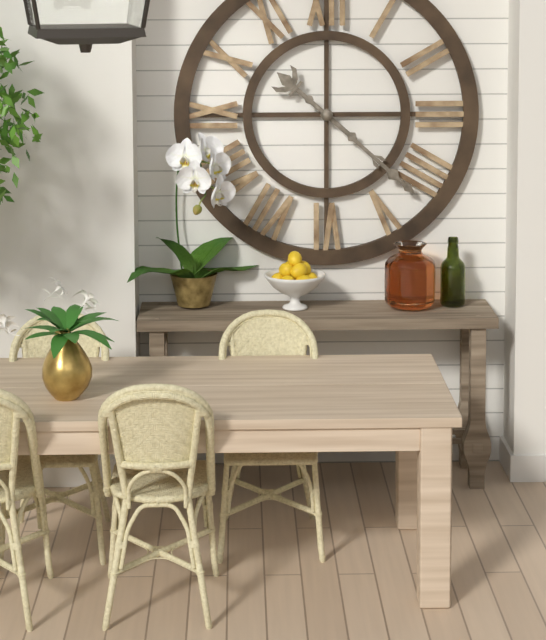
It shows 10.22
